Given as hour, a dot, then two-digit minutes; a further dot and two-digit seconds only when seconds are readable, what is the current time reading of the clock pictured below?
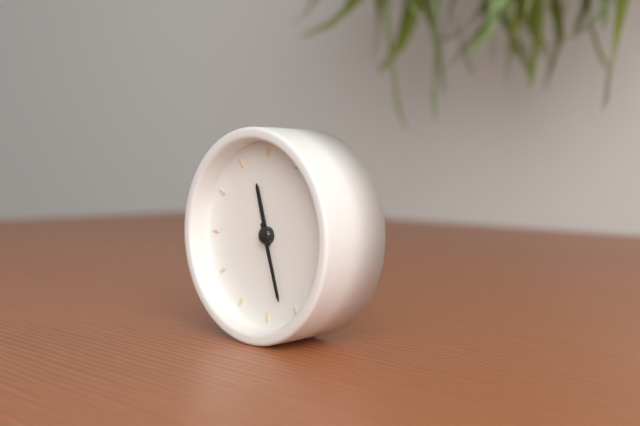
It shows 11.27
